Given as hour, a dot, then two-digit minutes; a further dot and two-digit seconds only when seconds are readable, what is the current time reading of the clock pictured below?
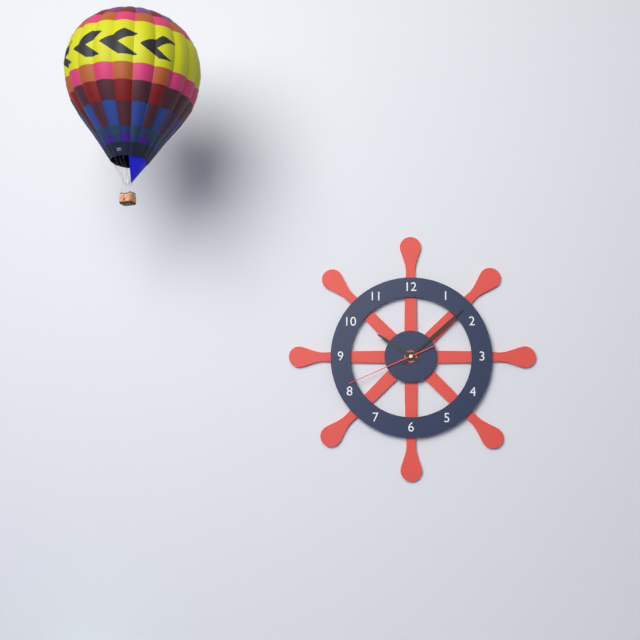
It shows 10.08.41
